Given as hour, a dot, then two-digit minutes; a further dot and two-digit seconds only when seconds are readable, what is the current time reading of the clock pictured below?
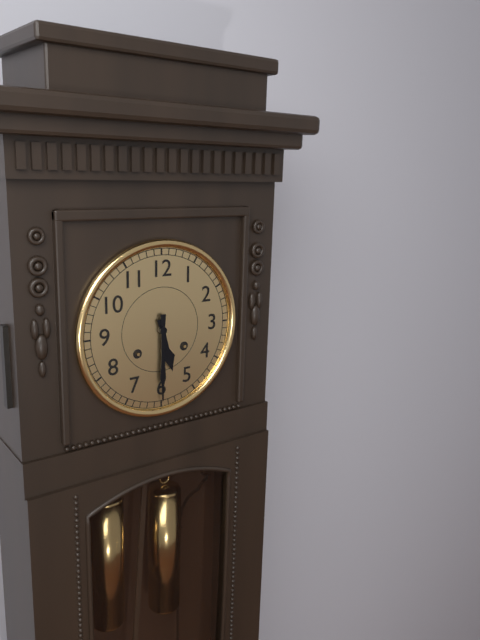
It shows 5.30
